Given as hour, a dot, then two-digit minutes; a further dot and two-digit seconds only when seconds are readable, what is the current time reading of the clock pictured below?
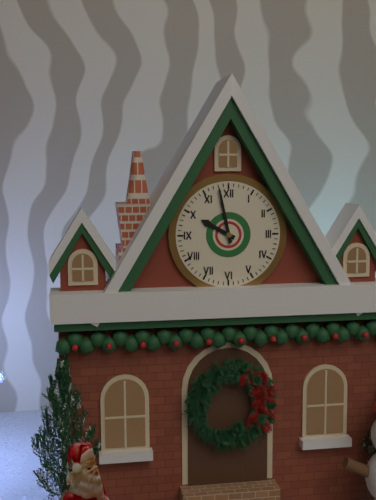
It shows 9.58
